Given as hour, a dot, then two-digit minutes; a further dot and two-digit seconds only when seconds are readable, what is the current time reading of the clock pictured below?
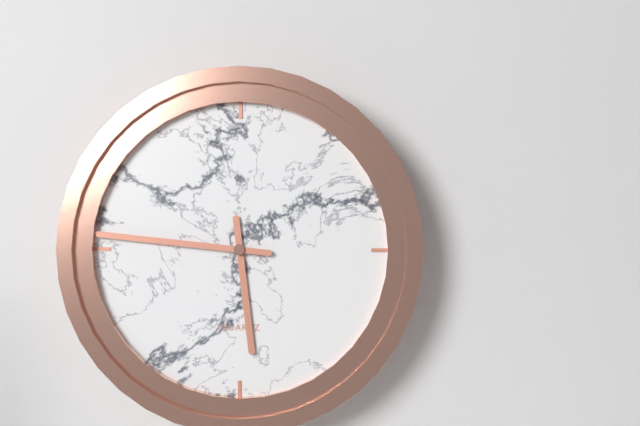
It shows 5.46
